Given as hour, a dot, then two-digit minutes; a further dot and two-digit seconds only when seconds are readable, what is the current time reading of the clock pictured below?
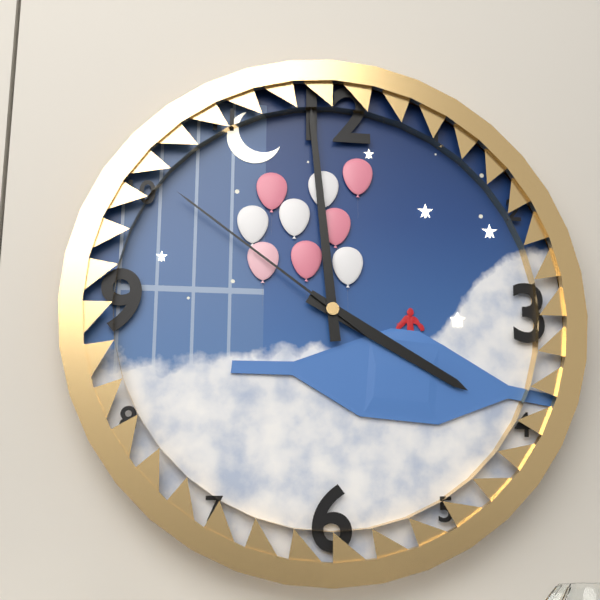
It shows 3.59.51
